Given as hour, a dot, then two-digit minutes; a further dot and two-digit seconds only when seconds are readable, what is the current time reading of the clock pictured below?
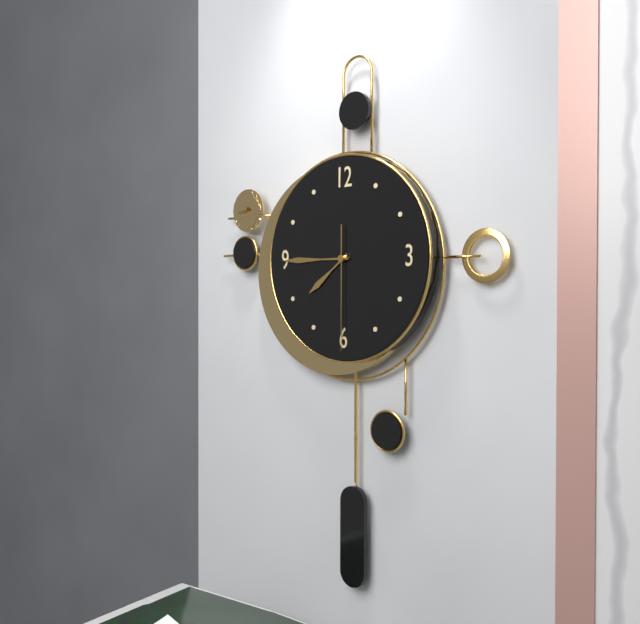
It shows 7.45.30
